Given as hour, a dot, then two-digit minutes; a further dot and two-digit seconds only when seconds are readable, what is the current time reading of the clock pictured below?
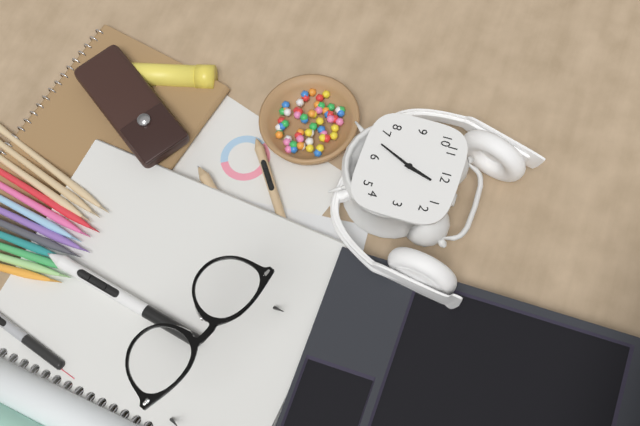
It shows 12.34
